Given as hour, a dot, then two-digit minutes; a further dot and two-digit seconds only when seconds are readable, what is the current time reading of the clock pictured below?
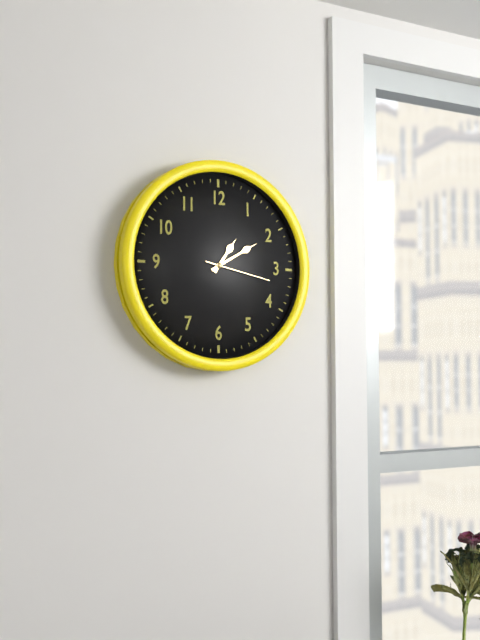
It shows 1.10.17
